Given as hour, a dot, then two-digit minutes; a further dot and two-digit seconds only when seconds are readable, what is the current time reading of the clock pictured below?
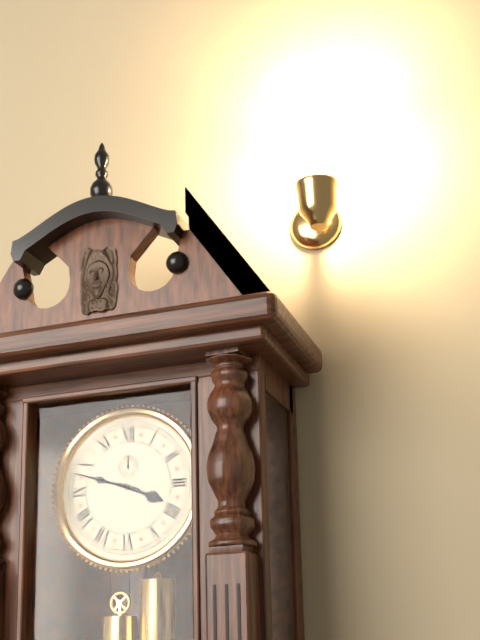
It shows 3.48
